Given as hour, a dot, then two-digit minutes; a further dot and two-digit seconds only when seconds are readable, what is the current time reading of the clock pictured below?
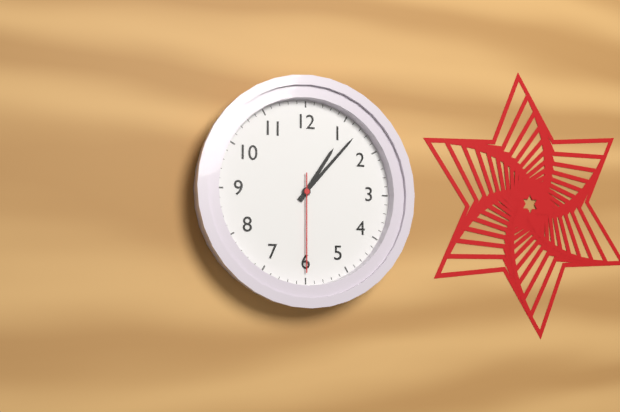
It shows 1.07.30
